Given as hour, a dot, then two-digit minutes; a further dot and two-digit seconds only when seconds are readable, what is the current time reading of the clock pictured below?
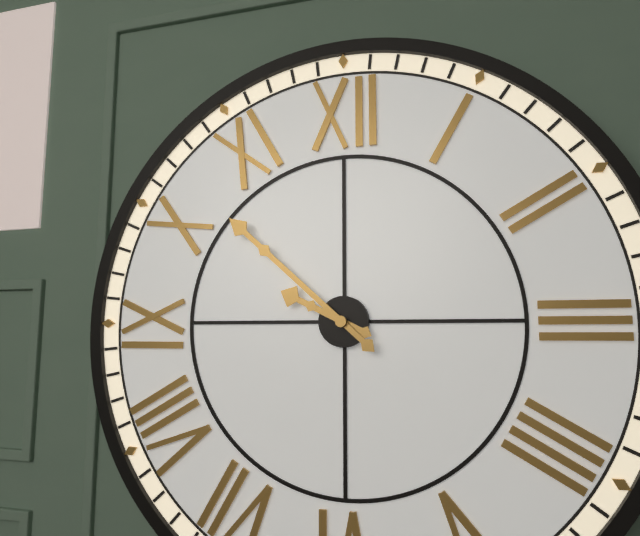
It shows 9.52
